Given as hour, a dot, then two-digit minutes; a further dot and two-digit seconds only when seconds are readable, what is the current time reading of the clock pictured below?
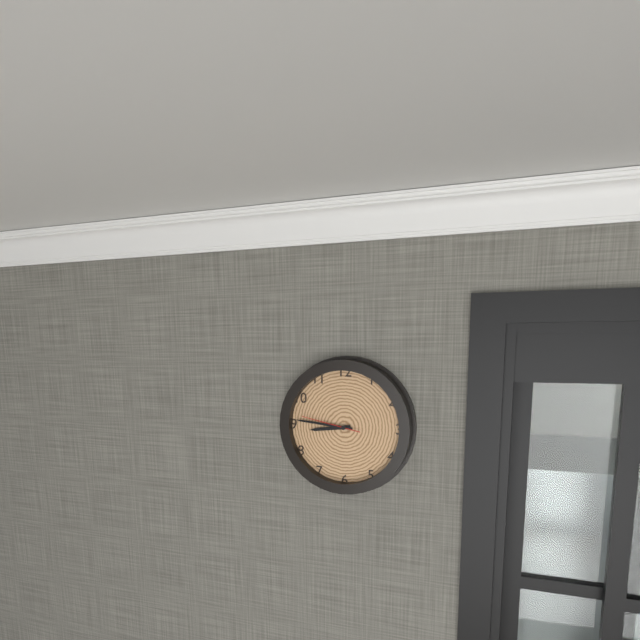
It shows 8.46.47
